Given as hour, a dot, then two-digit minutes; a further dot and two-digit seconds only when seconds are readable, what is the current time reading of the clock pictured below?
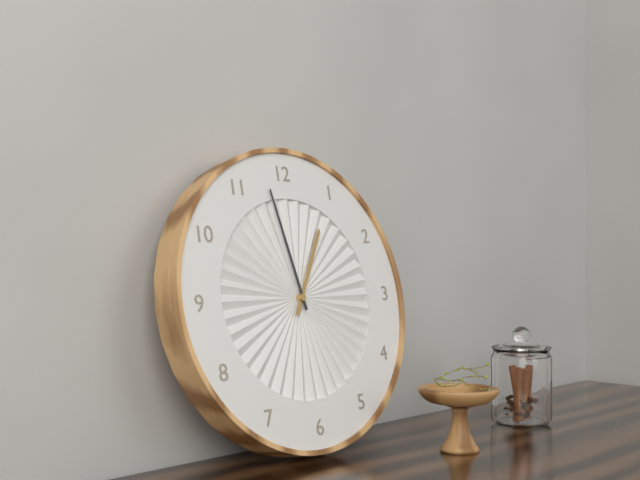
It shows 12.58
